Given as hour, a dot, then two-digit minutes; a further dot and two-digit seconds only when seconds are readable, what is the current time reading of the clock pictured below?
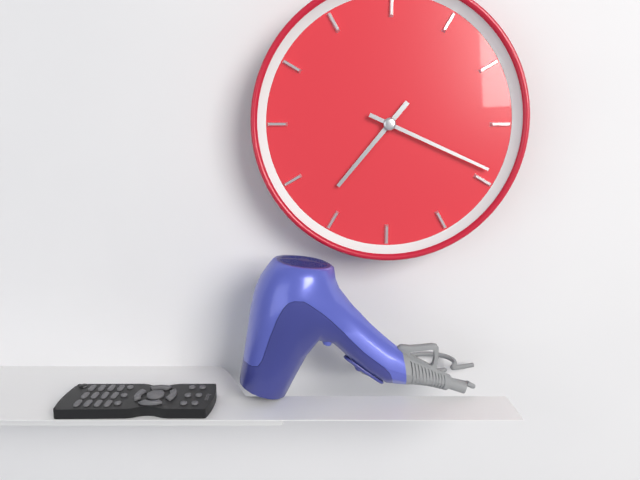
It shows 7.19
